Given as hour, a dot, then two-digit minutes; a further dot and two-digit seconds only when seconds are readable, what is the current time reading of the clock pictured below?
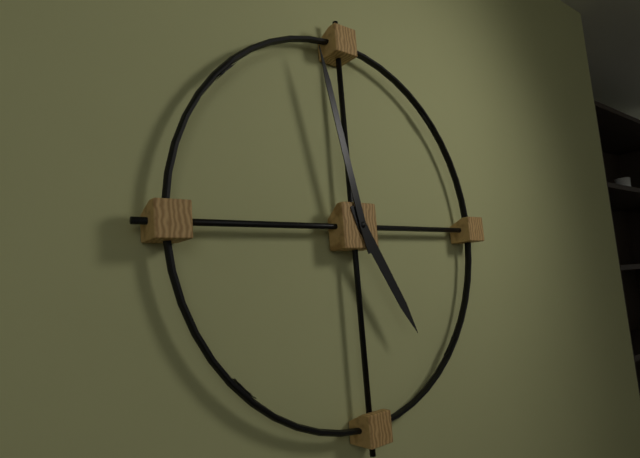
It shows 4.58
